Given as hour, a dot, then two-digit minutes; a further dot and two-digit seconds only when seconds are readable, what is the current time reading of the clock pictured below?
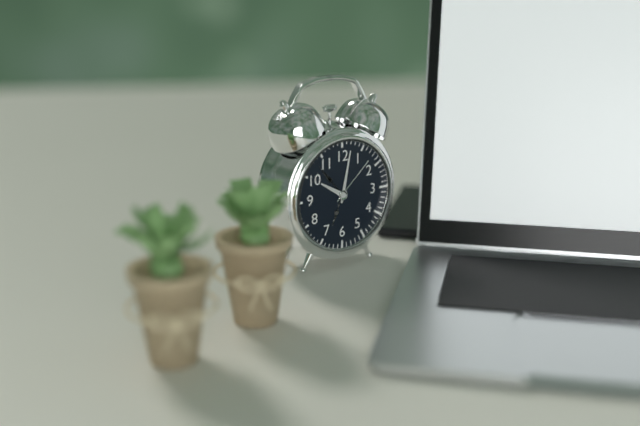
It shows 10.02
